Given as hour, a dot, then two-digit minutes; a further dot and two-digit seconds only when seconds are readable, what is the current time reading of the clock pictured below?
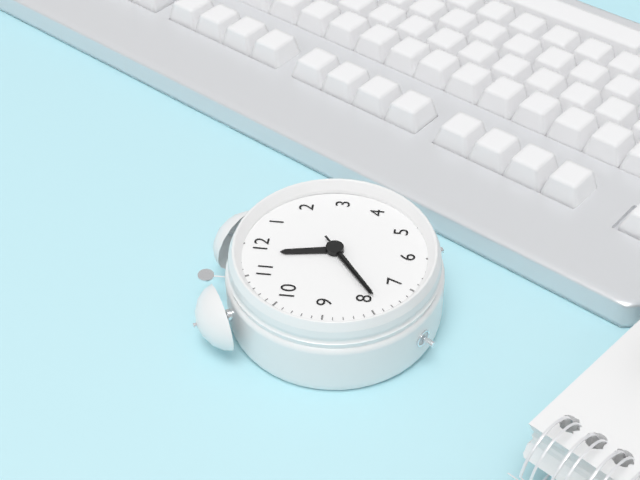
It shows 11.39.39
